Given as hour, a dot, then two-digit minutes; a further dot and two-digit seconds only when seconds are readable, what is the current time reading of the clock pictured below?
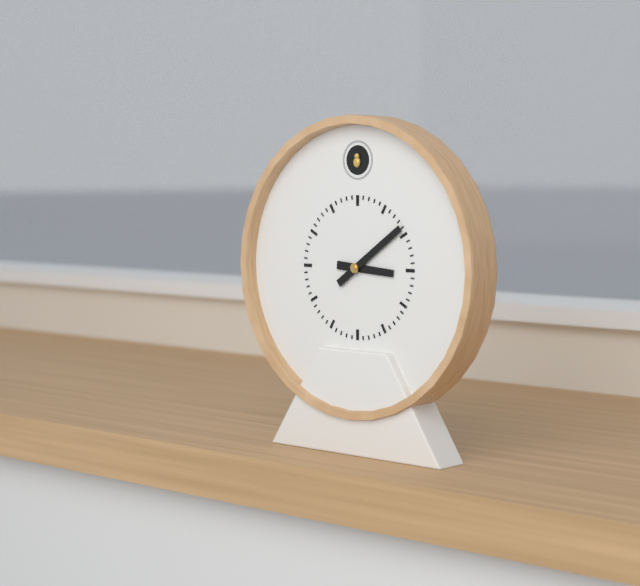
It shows 3.09
